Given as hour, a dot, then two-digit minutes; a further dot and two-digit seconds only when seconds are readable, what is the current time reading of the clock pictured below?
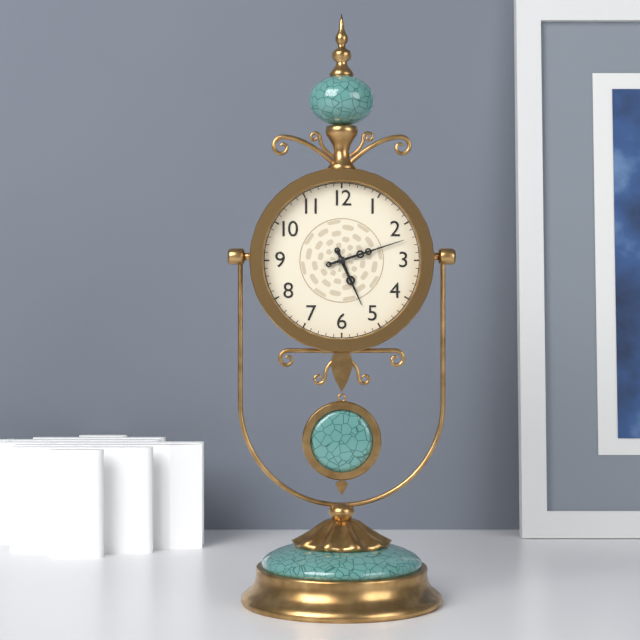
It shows 5.12
